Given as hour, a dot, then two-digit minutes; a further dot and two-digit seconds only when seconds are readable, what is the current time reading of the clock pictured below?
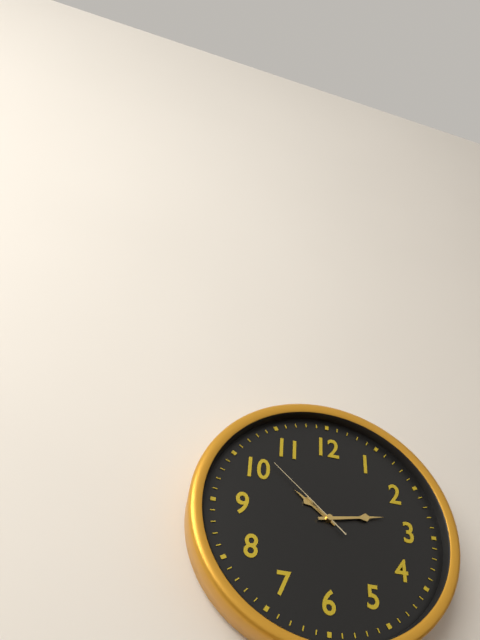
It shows 10.13.52
